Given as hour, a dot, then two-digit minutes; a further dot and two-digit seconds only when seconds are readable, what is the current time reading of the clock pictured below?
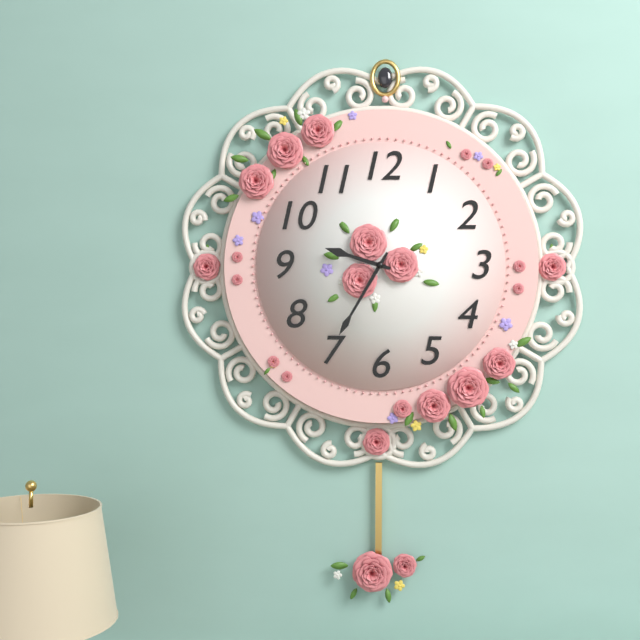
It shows 9.35
